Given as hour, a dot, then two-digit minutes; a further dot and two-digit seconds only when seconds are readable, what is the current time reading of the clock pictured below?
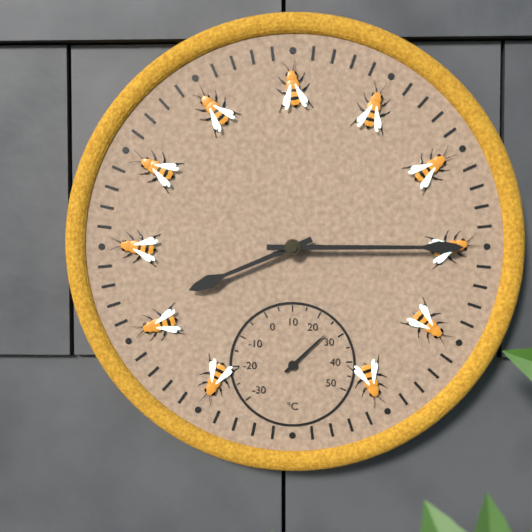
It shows 8.15
